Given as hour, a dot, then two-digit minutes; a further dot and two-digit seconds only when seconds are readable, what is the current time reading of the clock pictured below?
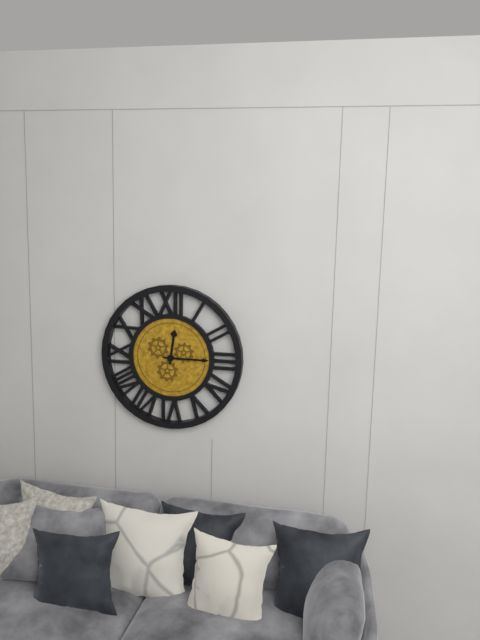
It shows 12.15
